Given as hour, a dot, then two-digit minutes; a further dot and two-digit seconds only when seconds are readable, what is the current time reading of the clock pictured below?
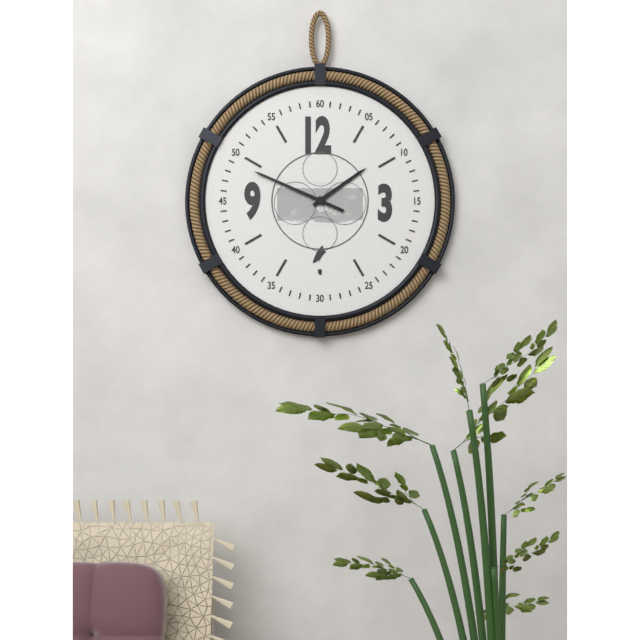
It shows 1.49
